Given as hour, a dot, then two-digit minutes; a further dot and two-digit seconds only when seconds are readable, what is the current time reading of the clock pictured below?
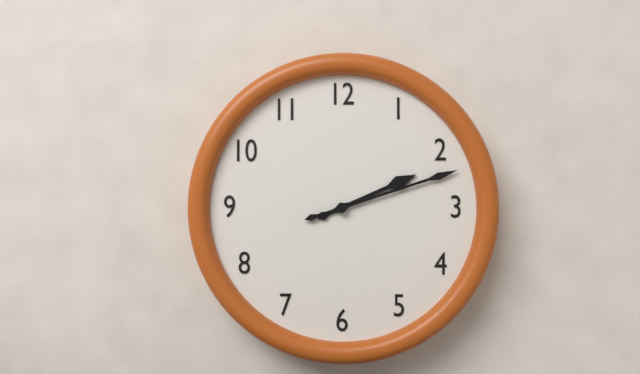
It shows 2.12
